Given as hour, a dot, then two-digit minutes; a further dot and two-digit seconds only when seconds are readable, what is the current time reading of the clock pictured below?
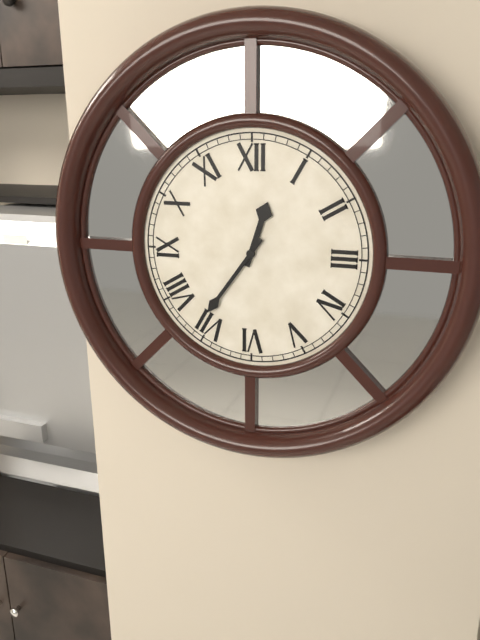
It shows 12.36
